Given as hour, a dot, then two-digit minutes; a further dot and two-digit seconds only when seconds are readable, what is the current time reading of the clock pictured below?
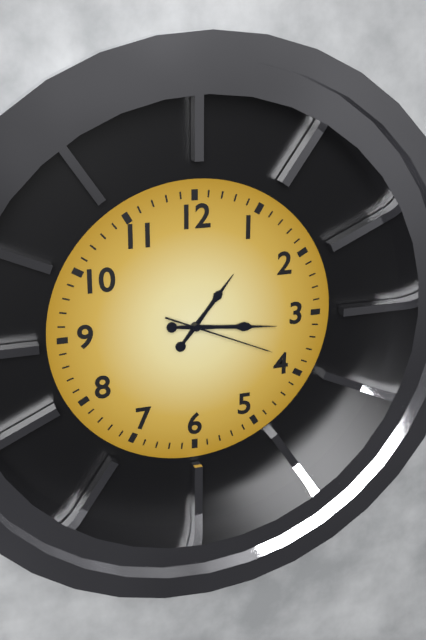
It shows 1.16.19
